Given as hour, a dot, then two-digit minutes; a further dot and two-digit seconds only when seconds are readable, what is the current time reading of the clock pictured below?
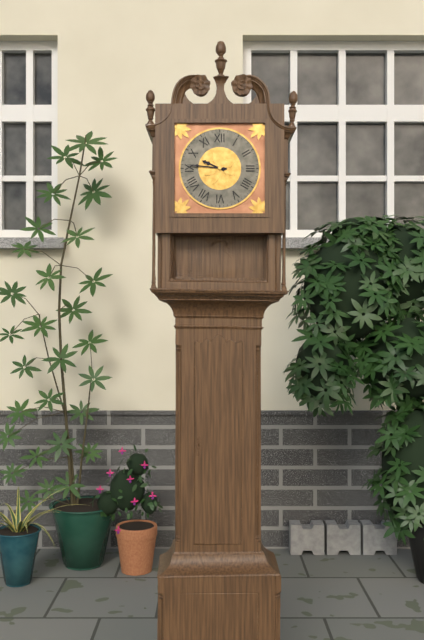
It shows 9.46
